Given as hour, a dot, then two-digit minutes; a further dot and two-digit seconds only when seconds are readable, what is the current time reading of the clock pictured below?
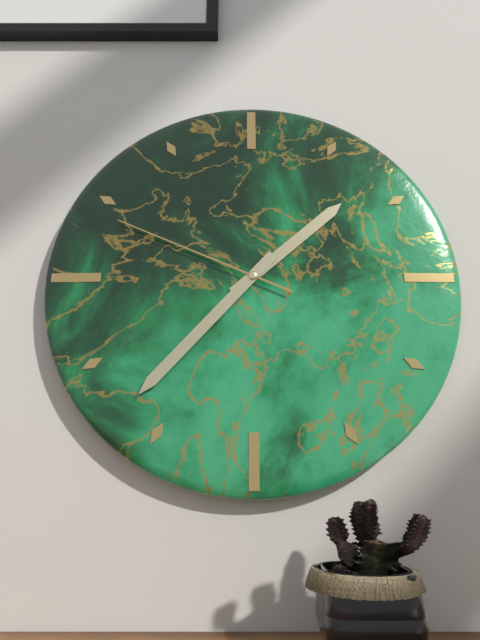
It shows 1.37.49
